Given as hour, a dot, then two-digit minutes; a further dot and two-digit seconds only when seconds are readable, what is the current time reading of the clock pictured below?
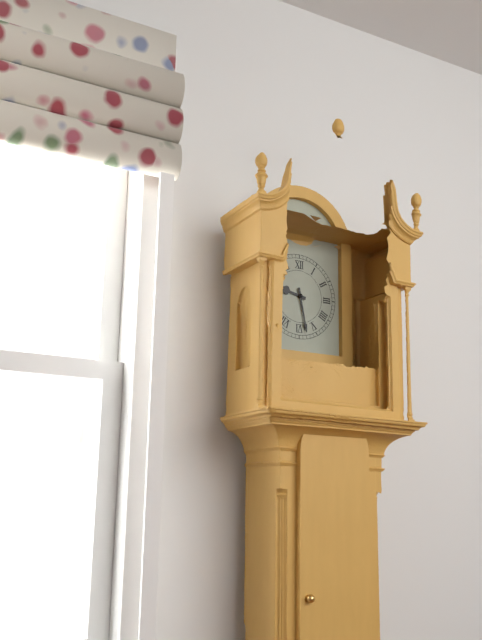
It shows 9.28
